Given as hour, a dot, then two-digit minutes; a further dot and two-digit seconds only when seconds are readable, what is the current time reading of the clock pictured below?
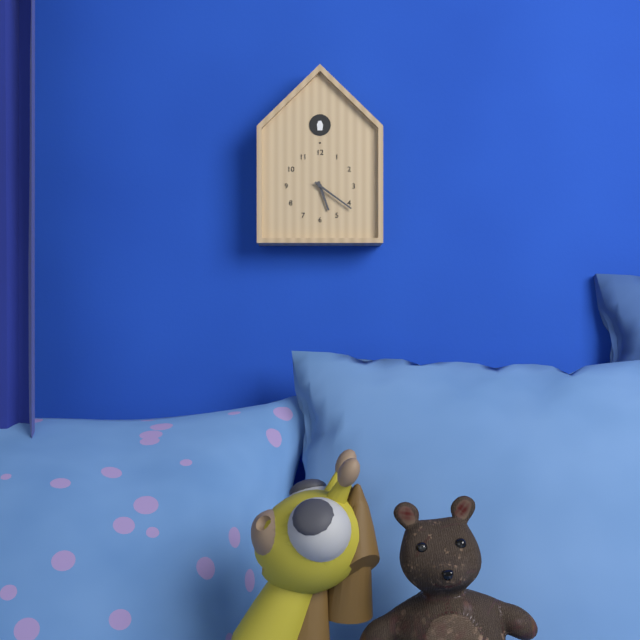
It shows 5.21
